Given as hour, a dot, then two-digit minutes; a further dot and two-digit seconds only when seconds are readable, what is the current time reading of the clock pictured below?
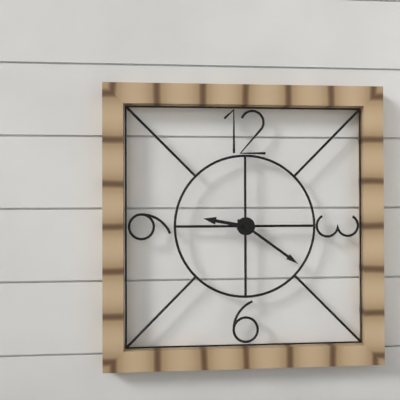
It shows 9.21
